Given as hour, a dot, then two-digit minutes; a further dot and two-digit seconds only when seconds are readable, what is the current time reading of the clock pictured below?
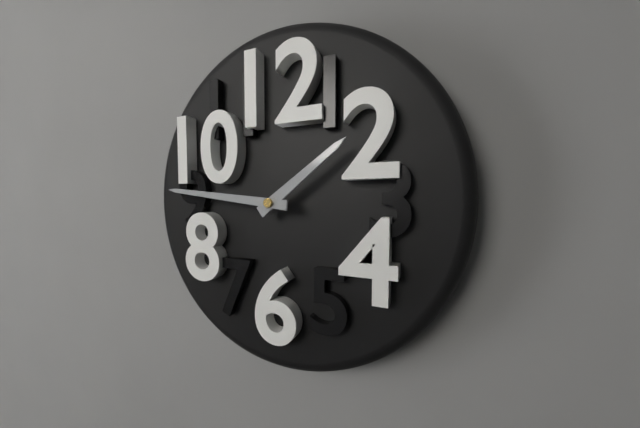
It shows 1.46
